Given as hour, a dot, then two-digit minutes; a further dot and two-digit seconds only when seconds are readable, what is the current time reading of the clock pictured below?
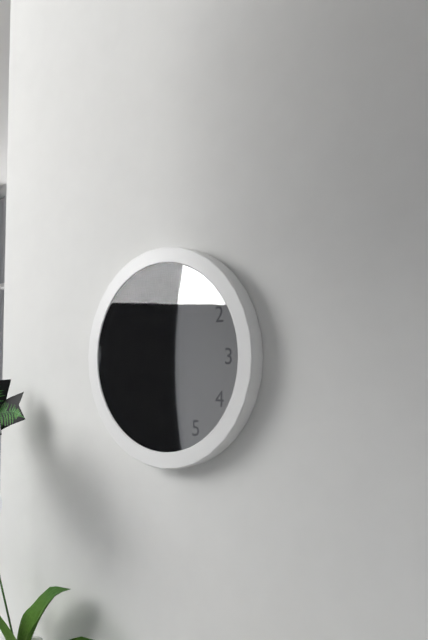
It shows 8.30
